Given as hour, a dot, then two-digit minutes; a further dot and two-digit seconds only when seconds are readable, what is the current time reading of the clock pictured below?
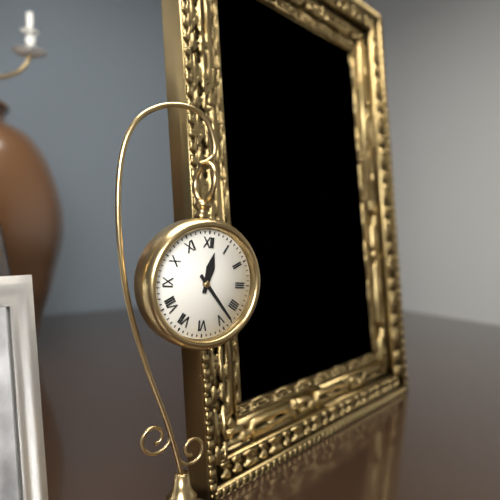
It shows 12.23
